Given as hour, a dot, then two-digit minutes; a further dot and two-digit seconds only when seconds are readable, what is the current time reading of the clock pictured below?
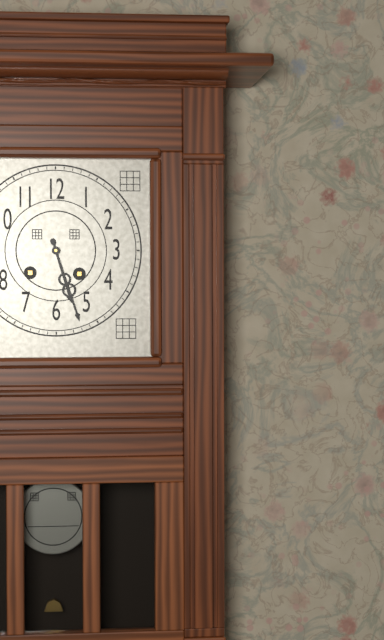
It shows 5.27
